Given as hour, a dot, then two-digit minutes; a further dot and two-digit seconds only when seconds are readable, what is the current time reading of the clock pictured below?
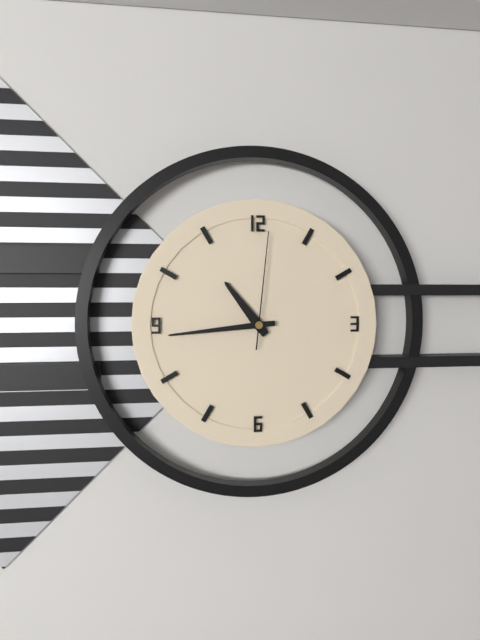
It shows 10.44.01
